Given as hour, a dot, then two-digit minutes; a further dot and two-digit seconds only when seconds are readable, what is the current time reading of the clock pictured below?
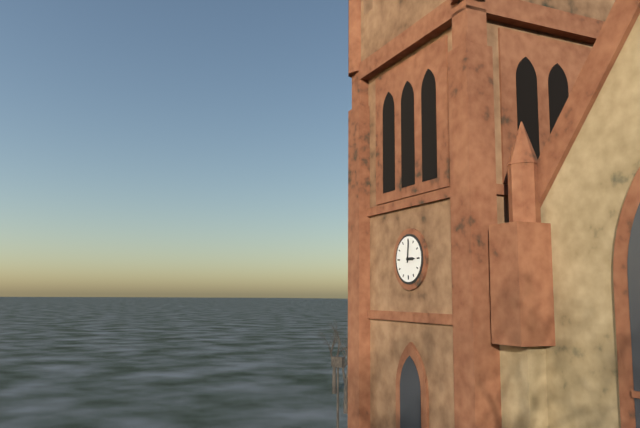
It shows 3.01
